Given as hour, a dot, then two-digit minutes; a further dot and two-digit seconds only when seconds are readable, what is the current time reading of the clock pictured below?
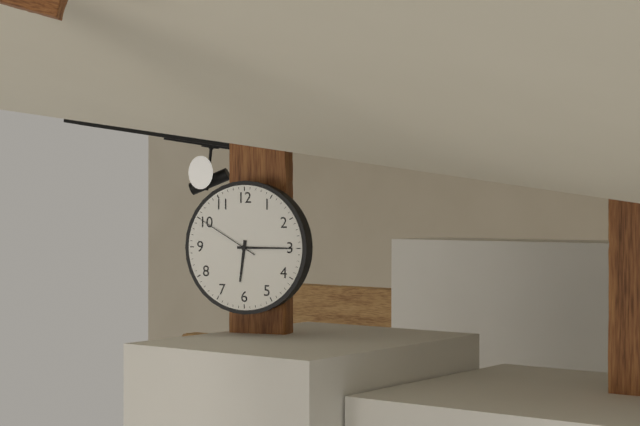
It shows 6.15.50
